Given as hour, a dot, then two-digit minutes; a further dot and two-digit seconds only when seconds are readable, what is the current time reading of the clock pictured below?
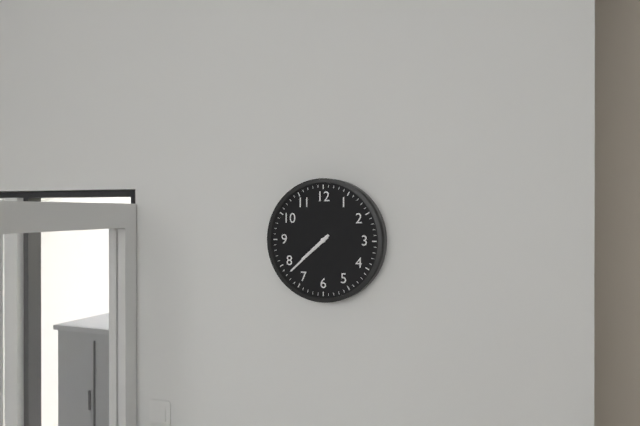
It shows 7.38
